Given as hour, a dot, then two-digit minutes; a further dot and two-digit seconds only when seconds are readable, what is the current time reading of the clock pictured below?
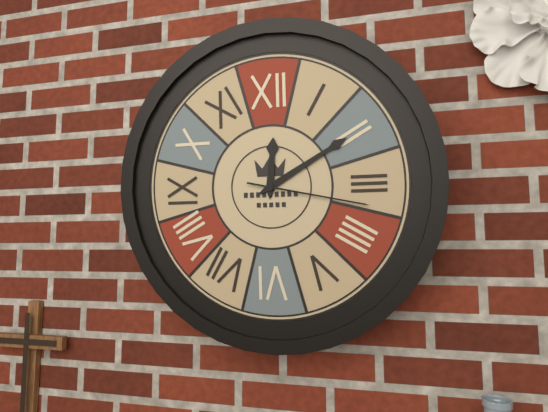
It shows 12.10.17
